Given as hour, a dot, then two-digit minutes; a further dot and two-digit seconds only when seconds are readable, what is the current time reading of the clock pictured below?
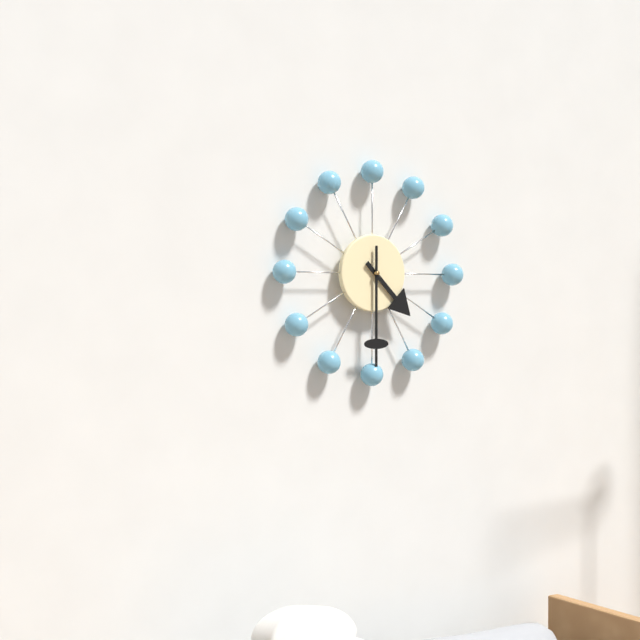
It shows 4.30
